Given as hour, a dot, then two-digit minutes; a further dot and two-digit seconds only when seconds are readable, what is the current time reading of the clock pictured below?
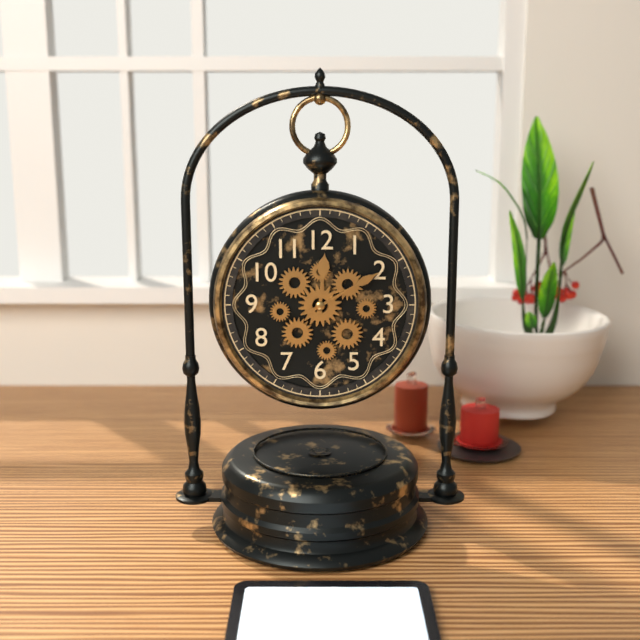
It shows 12.10
